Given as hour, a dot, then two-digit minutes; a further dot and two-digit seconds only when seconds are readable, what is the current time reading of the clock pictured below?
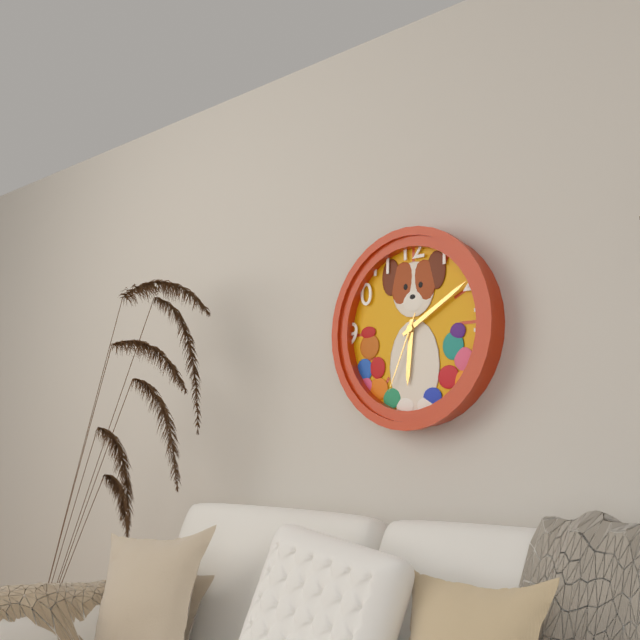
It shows 6.10.34
